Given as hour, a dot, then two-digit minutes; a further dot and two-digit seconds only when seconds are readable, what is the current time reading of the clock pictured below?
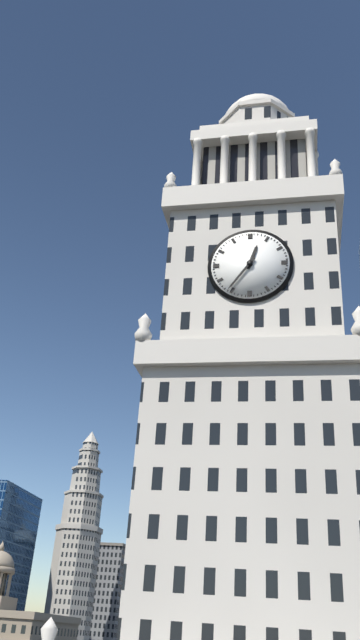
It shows 12.36
